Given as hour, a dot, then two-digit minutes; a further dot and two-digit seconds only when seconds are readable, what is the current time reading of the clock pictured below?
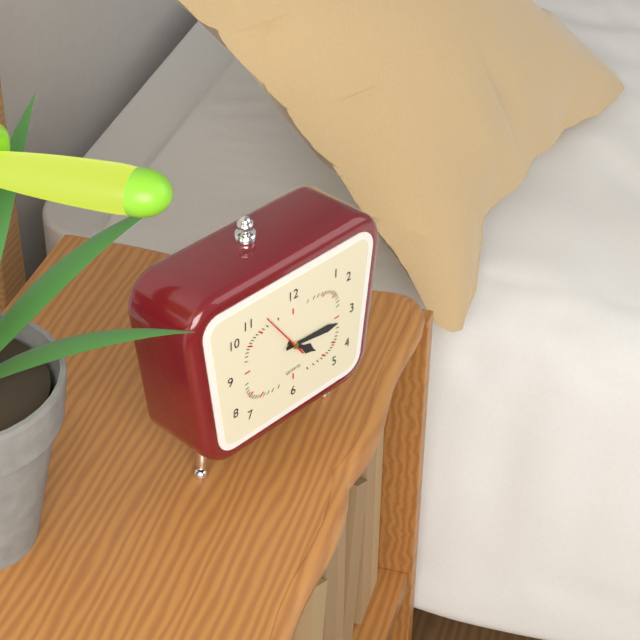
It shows 4.16
